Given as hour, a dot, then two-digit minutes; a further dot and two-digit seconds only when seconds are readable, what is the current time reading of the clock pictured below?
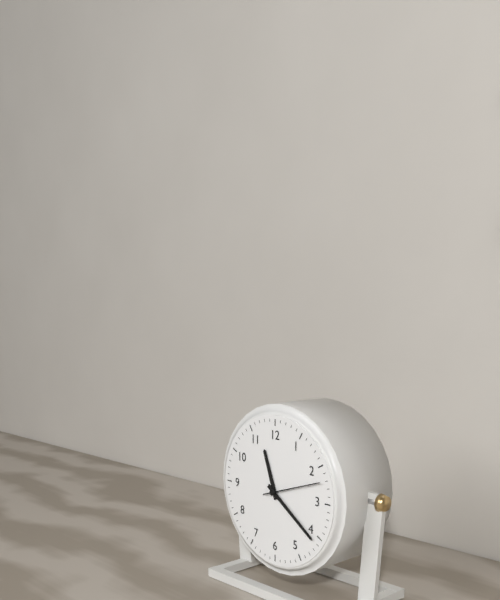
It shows 11.21.12
